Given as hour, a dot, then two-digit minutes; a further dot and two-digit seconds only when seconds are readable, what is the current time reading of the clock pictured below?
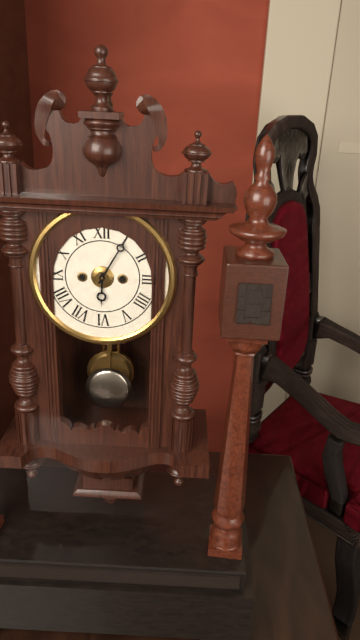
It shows 6.05
